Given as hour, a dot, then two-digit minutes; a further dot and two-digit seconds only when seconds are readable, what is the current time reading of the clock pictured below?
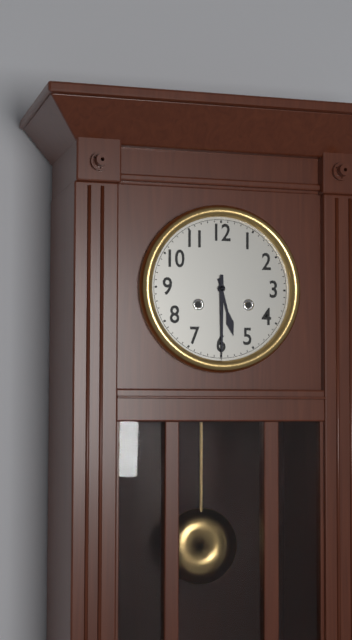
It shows 5.30
